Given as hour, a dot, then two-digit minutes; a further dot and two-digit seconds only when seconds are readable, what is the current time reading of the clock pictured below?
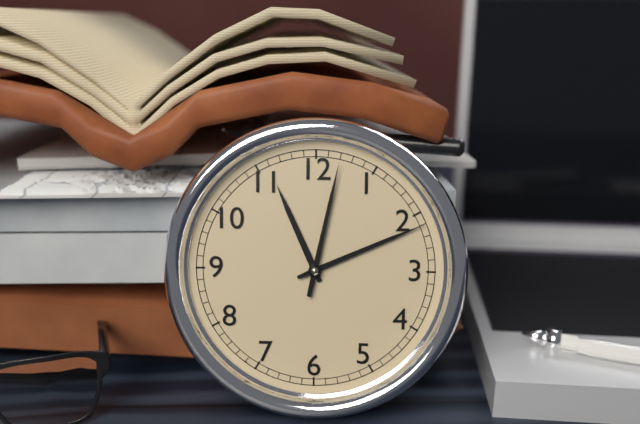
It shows 11.11.02
